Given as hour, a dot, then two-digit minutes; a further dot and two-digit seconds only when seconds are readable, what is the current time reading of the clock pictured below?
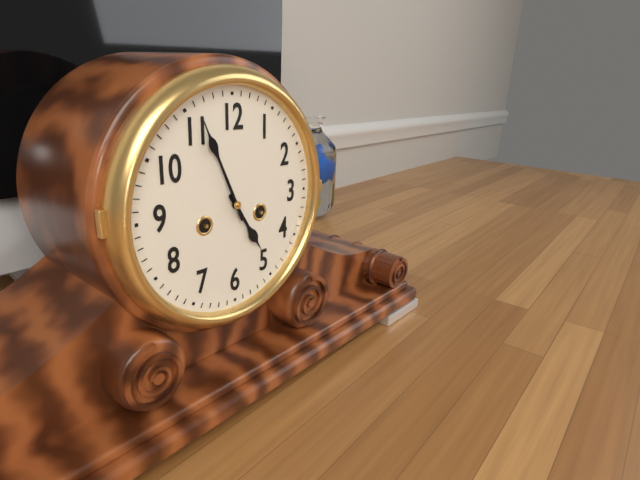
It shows 4.56
